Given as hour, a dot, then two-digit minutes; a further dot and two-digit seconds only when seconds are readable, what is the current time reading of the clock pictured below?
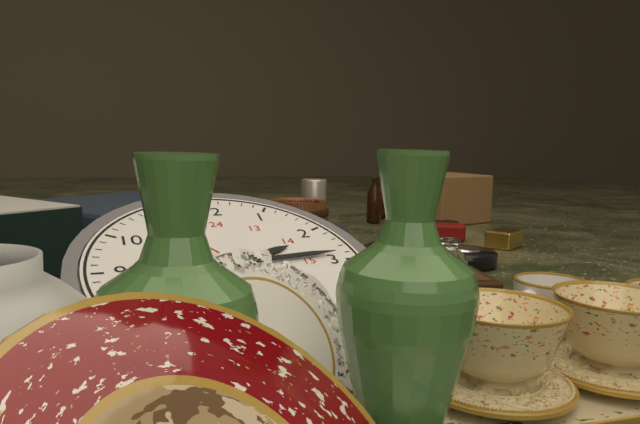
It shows 2.14
